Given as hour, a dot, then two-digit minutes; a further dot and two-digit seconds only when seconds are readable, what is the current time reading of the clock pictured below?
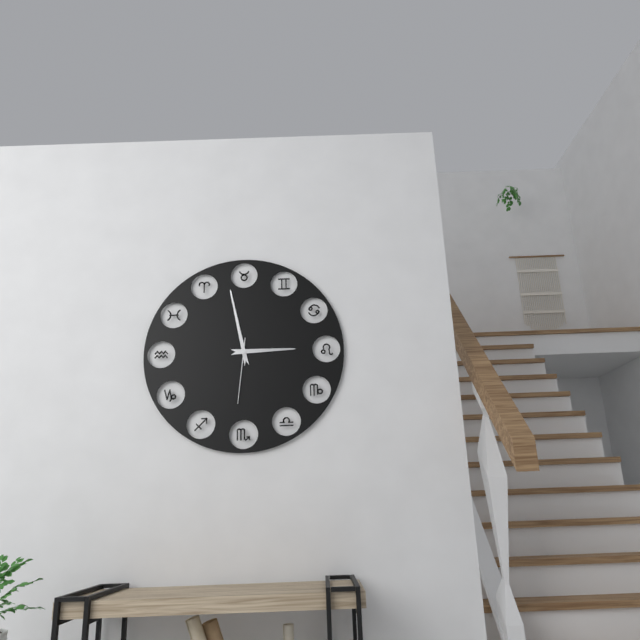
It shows 2.58.31
